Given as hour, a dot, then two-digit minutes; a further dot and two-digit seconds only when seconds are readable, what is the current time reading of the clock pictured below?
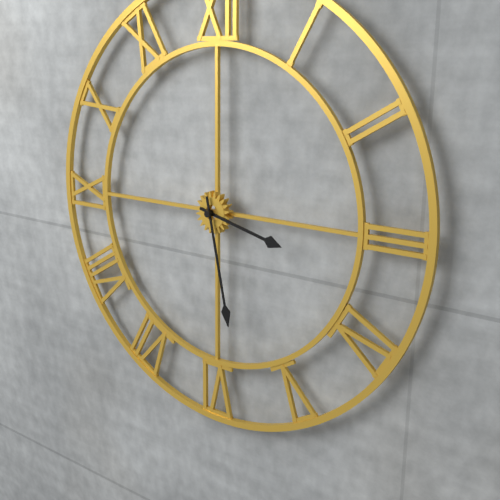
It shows 3.28
